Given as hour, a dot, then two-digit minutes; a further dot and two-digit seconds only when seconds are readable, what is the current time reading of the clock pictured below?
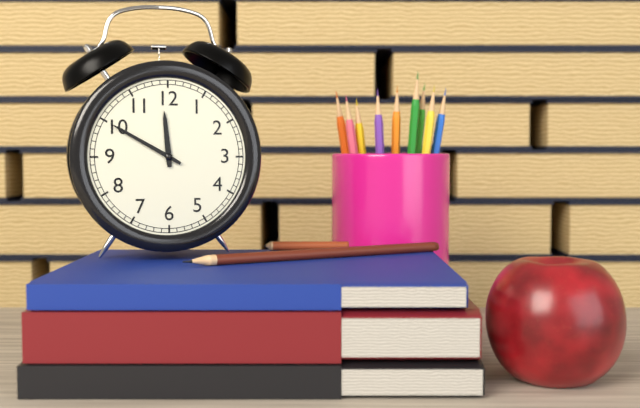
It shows 11.50
